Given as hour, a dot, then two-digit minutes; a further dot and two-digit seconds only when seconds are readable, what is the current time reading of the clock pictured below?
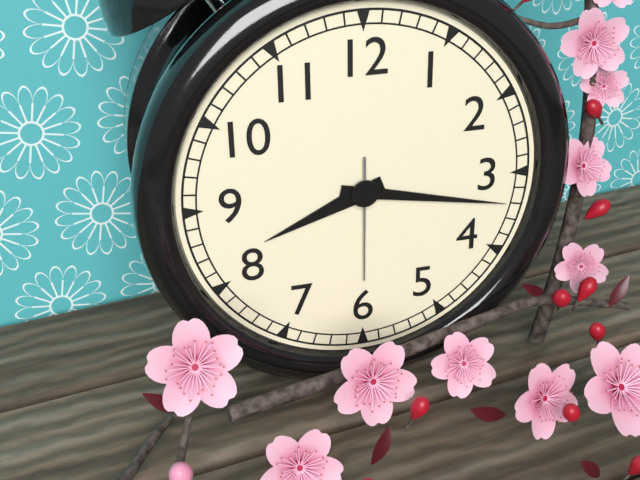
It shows 8.17.30
